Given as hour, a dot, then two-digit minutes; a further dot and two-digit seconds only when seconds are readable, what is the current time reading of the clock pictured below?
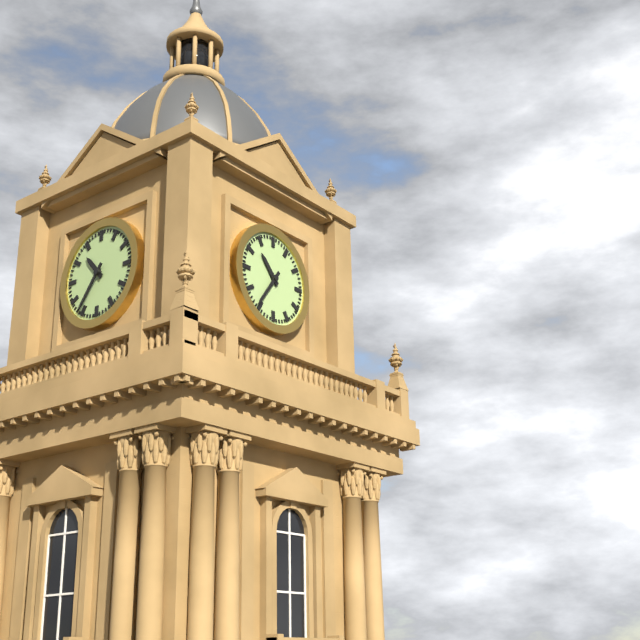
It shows 10.36
